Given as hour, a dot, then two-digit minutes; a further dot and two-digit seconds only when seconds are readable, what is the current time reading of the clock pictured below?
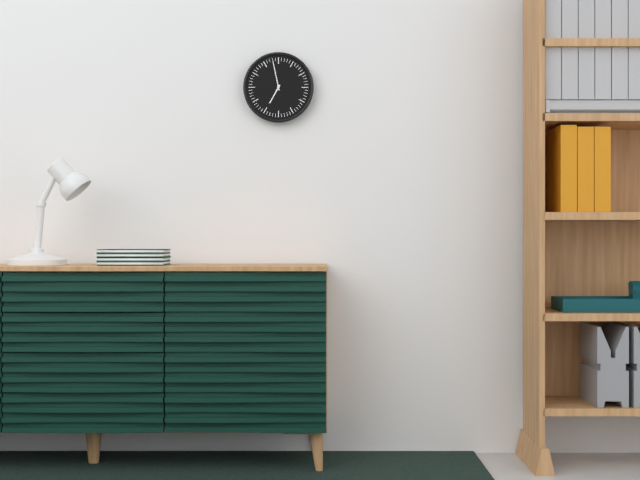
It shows 6.58
